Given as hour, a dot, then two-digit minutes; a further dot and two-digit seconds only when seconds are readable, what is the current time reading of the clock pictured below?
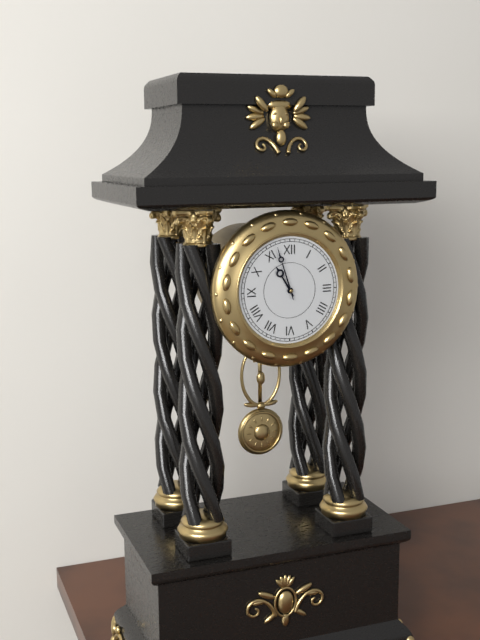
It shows 10.57
